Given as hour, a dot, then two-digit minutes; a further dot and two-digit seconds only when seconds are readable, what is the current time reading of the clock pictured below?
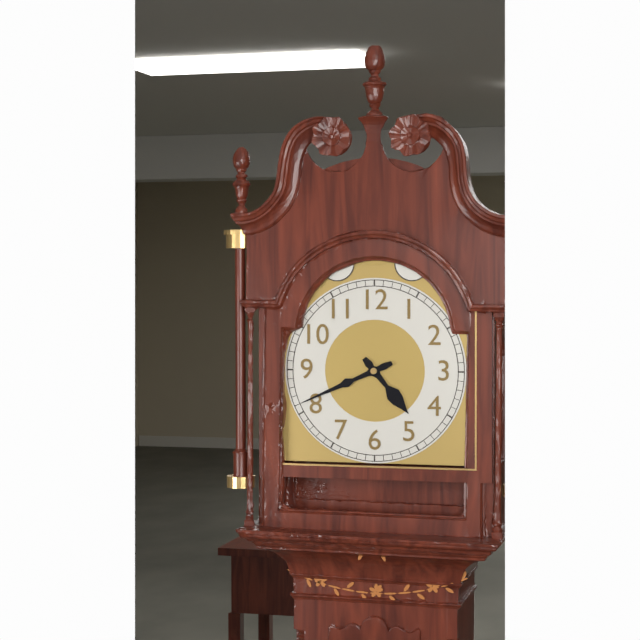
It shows 4.41
